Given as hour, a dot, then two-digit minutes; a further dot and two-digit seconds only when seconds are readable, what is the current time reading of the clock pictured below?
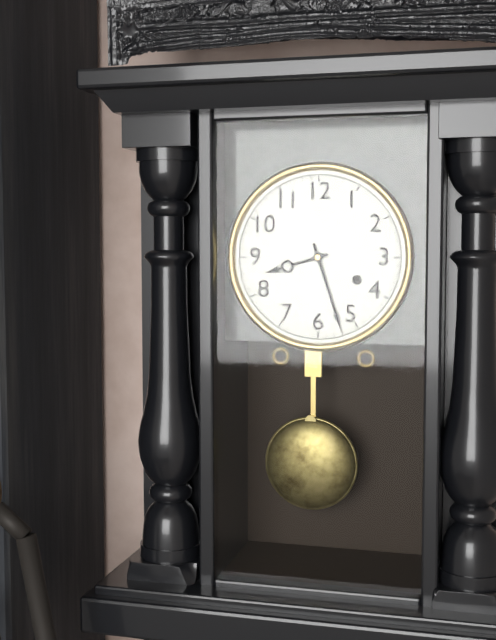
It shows 8.27
